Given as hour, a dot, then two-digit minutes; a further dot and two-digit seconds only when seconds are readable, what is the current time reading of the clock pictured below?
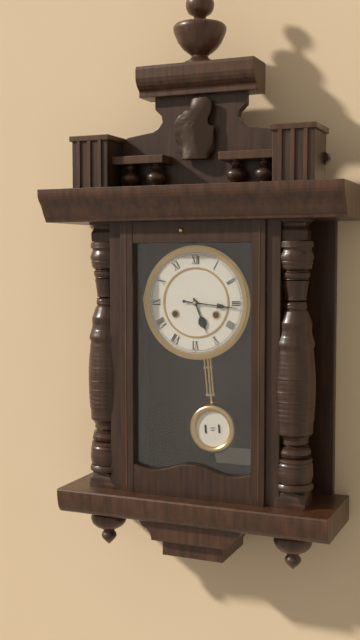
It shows 5.16
